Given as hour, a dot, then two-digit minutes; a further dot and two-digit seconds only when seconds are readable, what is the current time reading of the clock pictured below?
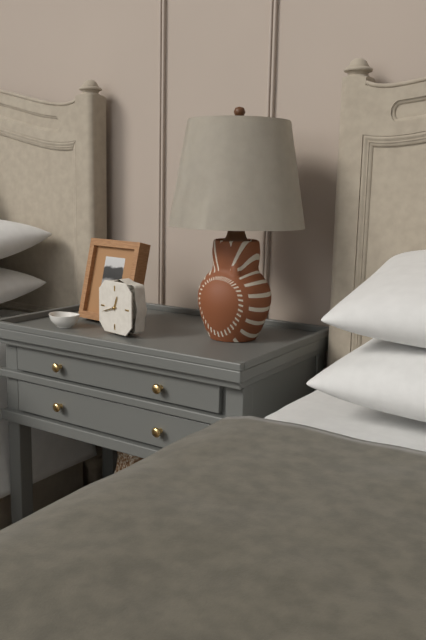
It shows 12.42
